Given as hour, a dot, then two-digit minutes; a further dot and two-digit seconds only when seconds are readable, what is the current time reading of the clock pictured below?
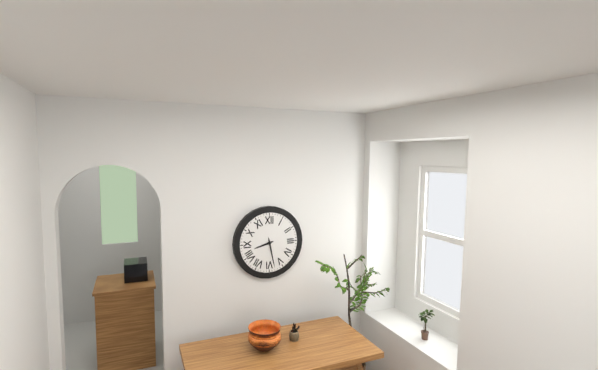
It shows 8.28
